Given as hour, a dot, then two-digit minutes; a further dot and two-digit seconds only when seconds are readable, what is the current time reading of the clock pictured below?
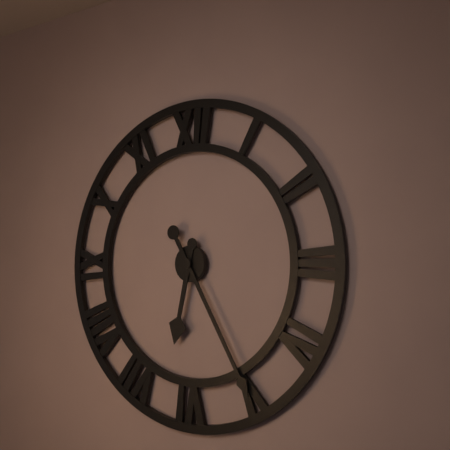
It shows 6.25
